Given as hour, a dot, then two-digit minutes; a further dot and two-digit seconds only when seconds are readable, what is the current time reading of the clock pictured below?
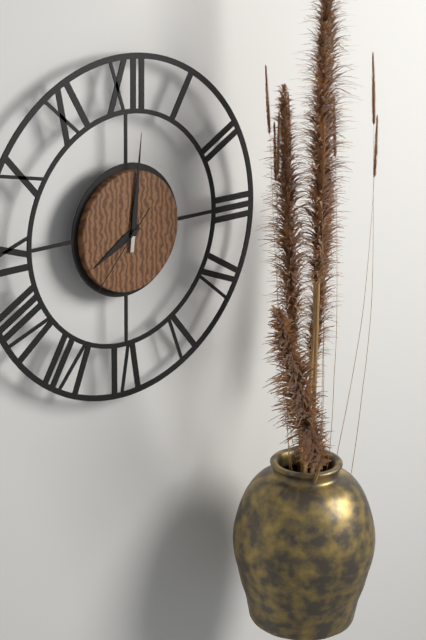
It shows 8.01.37
